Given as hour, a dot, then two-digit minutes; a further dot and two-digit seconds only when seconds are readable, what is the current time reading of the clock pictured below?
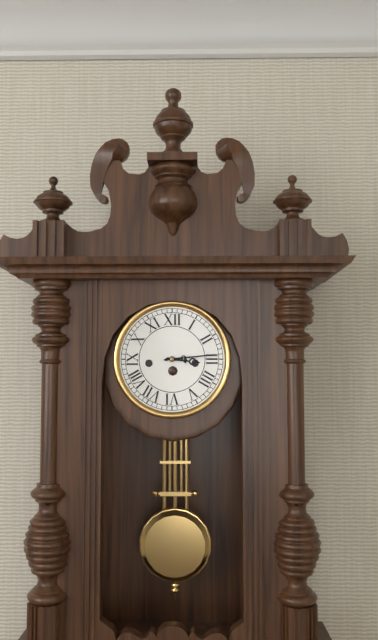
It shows 3.14
